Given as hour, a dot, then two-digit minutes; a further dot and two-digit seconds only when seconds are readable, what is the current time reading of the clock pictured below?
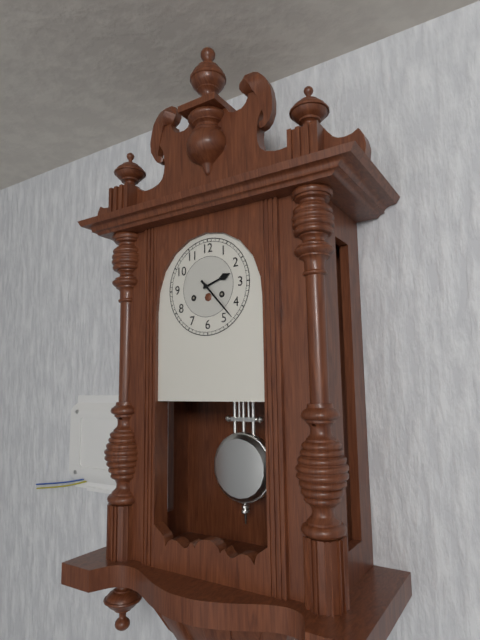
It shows 2.23
